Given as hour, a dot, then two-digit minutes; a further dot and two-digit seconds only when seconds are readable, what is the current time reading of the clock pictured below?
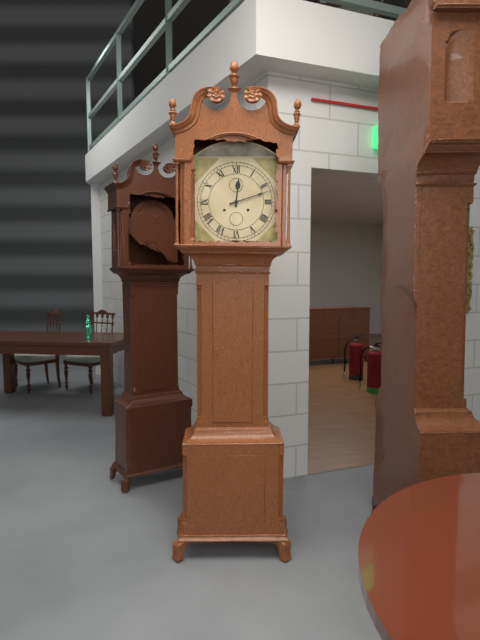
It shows 12.12
